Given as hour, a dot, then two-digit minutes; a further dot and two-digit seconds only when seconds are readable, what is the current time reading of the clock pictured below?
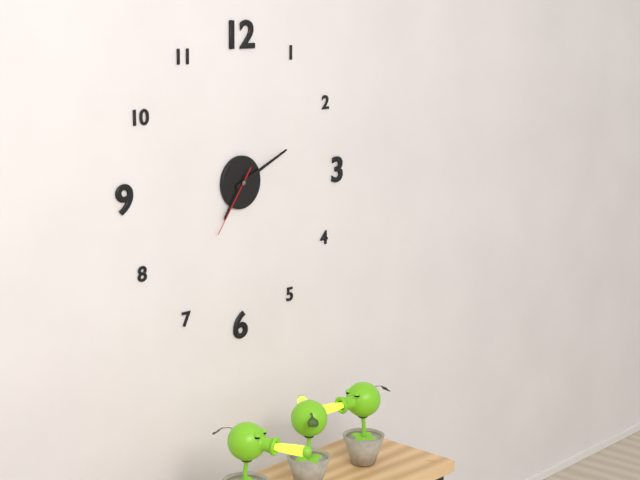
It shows 7.11.36
